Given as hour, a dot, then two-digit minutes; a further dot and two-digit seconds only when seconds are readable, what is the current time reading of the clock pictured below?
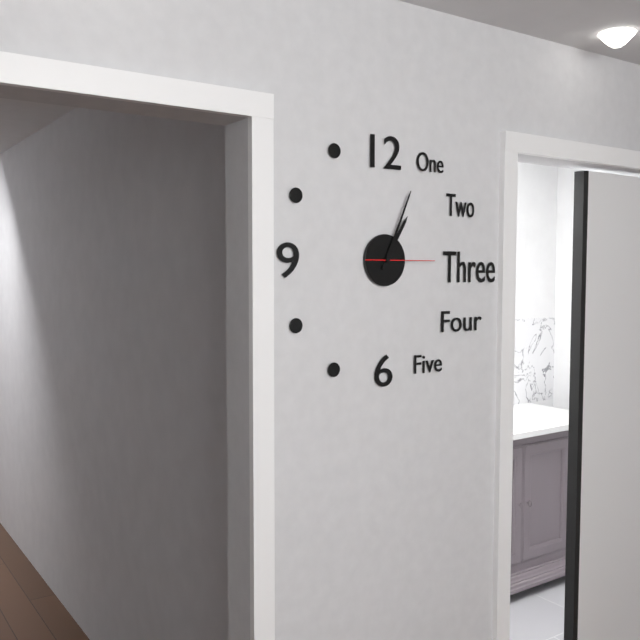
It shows 1.04.15
